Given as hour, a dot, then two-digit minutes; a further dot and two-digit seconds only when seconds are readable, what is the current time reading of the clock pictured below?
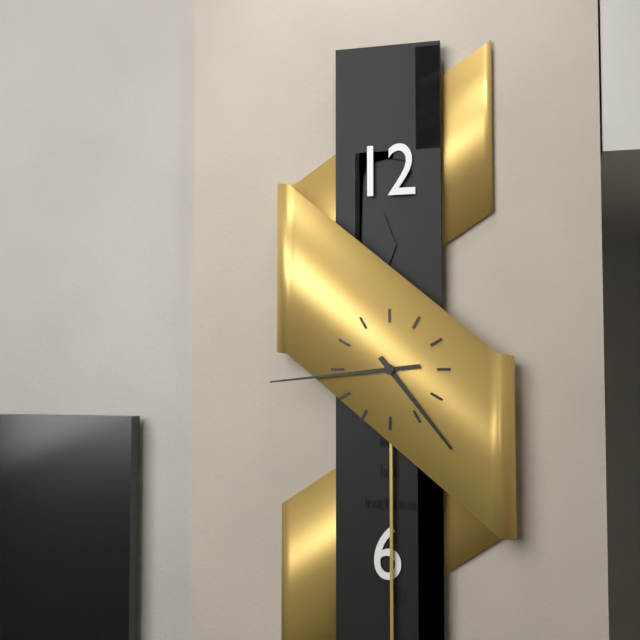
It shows 4.44
